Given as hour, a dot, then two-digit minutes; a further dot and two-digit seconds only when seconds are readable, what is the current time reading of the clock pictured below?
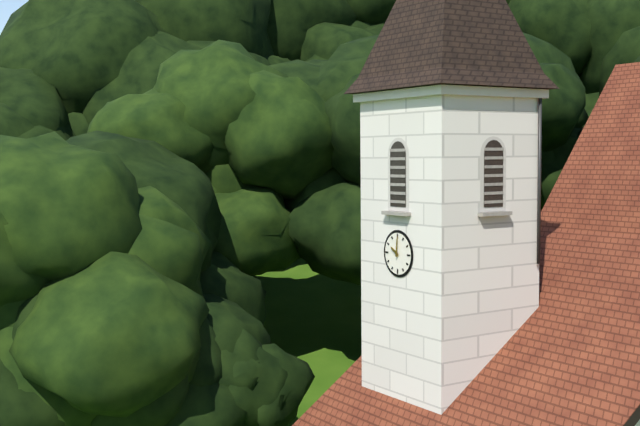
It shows 10.01
